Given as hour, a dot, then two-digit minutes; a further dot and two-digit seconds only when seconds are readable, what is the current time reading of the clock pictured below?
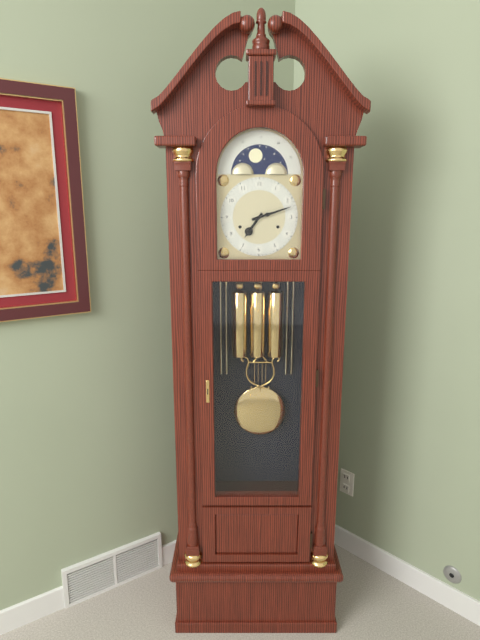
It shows 7.12
